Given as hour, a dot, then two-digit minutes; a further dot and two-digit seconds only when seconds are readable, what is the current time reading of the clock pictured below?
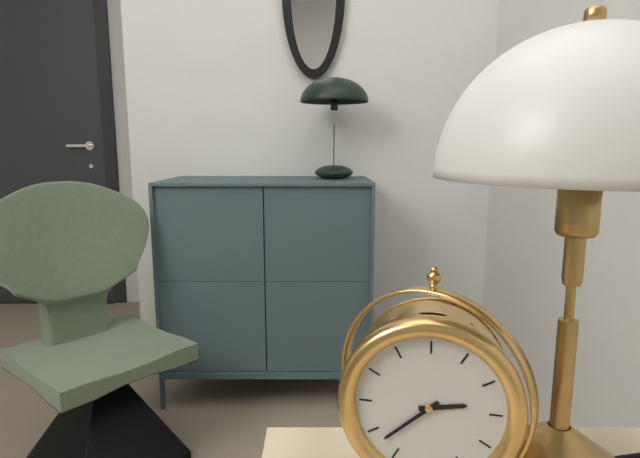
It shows 2.38
